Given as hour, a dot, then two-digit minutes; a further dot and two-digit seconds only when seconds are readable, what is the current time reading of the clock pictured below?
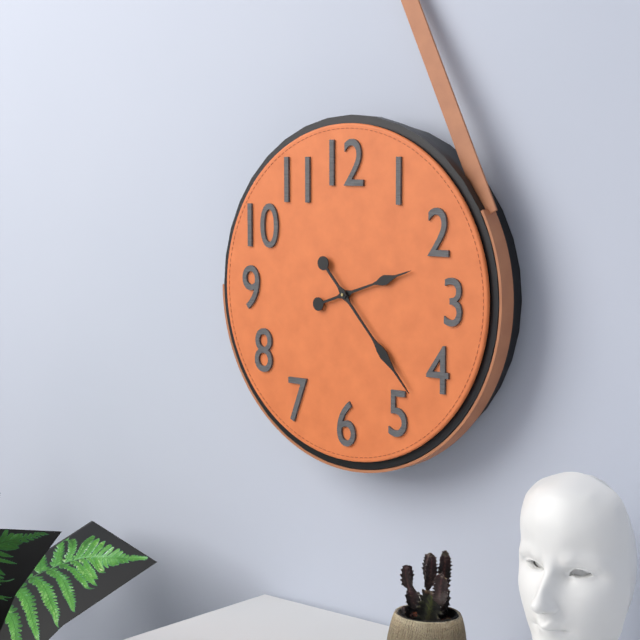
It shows 2.23
